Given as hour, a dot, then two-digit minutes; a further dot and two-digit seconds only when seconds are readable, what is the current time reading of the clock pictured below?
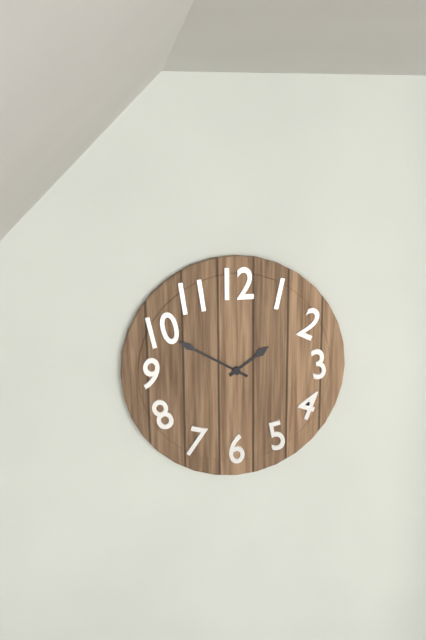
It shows 1.50
